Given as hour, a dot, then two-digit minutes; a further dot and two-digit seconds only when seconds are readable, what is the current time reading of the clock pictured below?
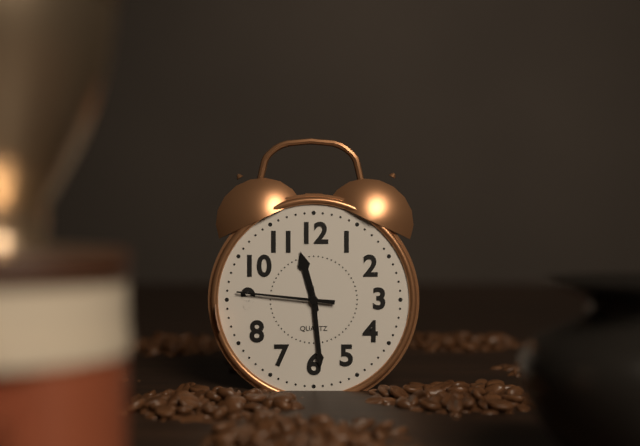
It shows 11.29.46
